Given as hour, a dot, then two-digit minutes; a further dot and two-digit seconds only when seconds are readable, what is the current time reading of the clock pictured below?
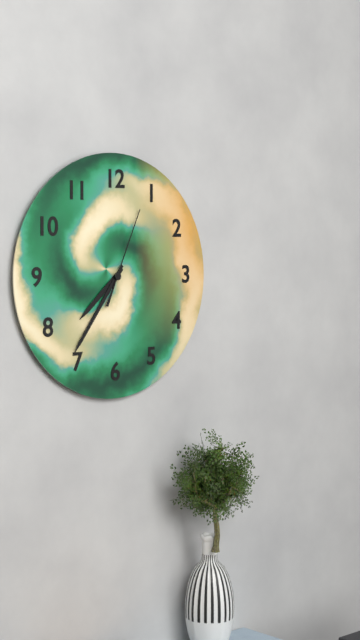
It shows 7.36.04
